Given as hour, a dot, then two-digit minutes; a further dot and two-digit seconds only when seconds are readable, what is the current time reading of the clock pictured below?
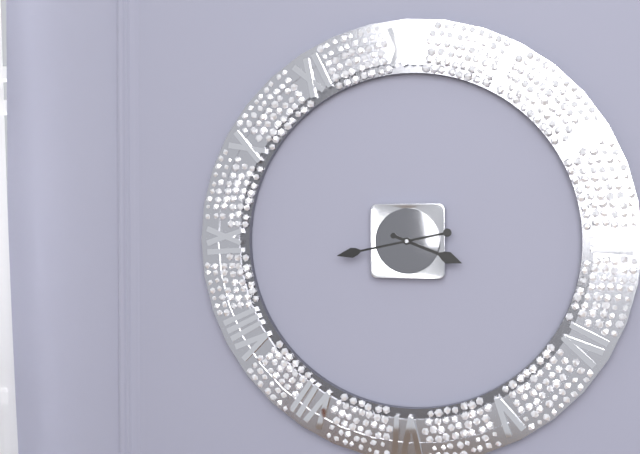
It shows 3.43
